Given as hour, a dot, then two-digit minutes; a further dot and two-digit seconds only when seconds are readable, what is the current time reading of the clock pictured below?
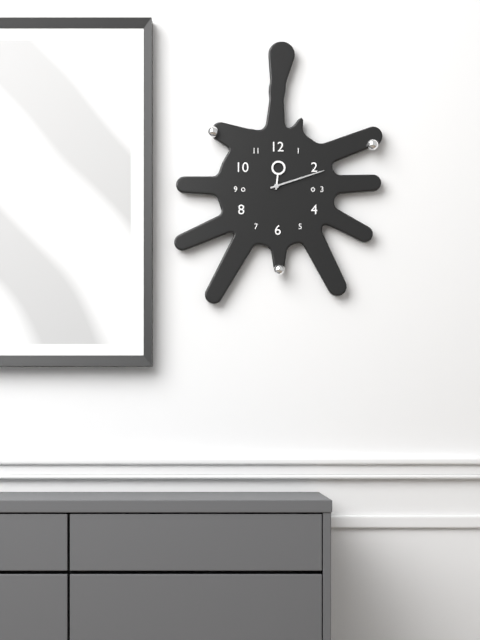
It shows 12.12
